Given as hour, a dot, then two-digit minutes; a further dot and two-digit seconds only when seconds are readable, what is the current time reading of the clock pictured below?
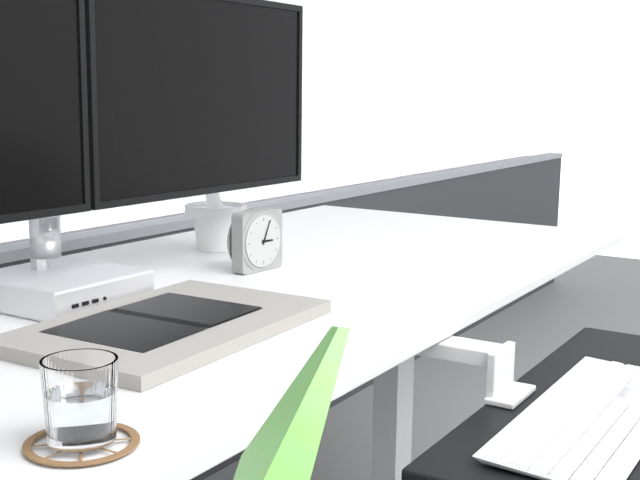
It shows 3.04
